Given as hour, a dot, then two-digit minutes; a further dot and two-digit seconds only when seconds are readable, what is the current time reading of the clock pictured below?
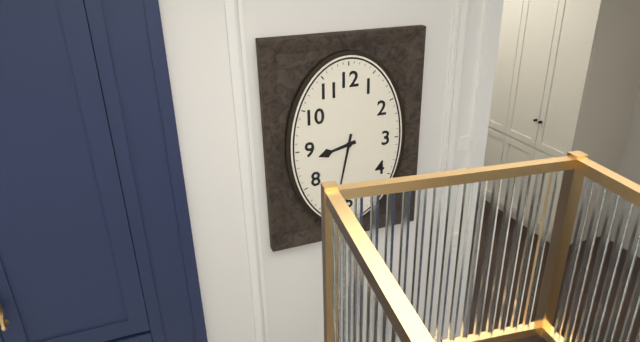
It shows 8.32
